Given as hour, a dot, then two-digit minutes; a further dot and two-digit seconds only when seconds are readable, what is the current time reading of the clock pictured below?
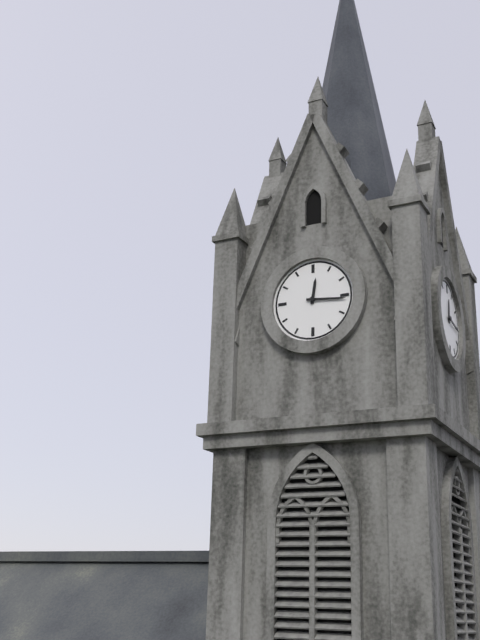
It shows 12.16
